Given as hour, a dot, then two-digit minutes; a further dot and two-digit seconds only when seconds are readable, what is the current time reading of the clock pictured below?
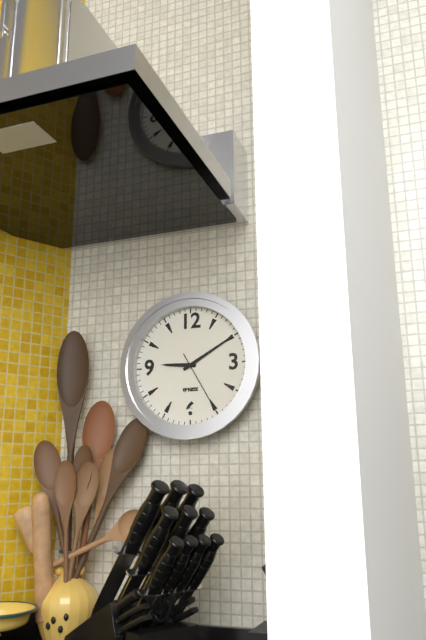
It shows 9.10.25
